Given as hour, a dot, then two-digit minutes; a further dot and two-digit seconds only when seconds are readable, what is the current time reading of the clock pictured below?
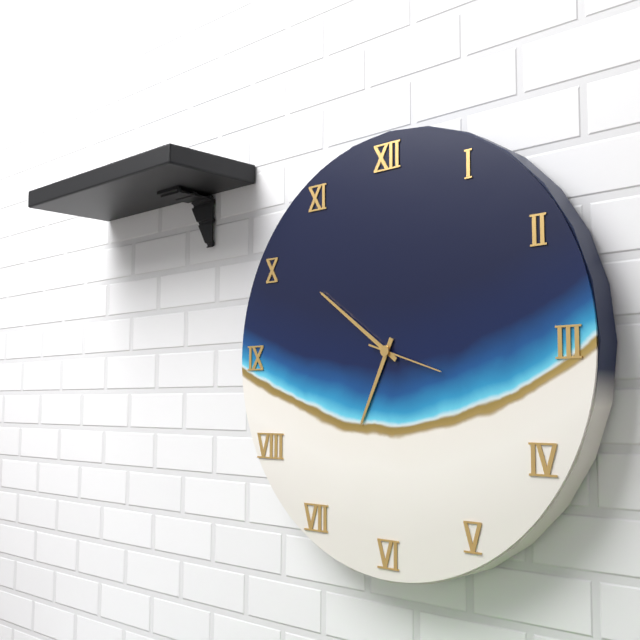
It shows 6.51.18
